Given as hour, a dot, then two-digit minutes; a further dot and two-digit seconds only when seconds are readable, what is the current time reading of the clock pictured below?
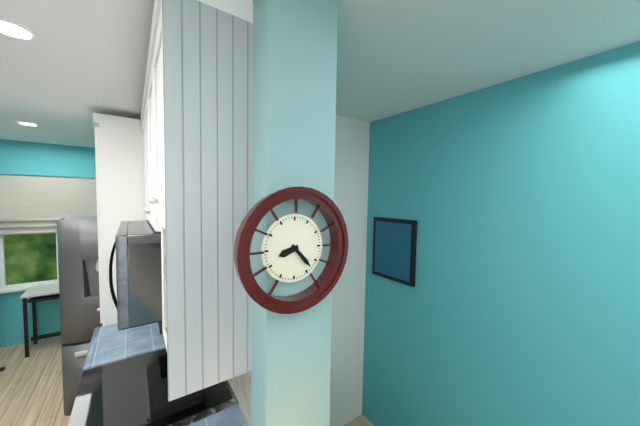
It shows 8.23
